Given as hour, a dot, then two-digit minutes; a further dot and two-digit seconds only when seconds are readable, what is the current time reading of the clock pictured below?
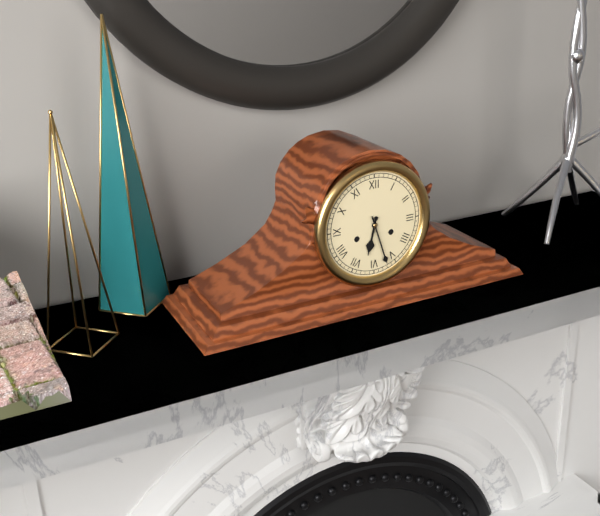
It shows 6.27
